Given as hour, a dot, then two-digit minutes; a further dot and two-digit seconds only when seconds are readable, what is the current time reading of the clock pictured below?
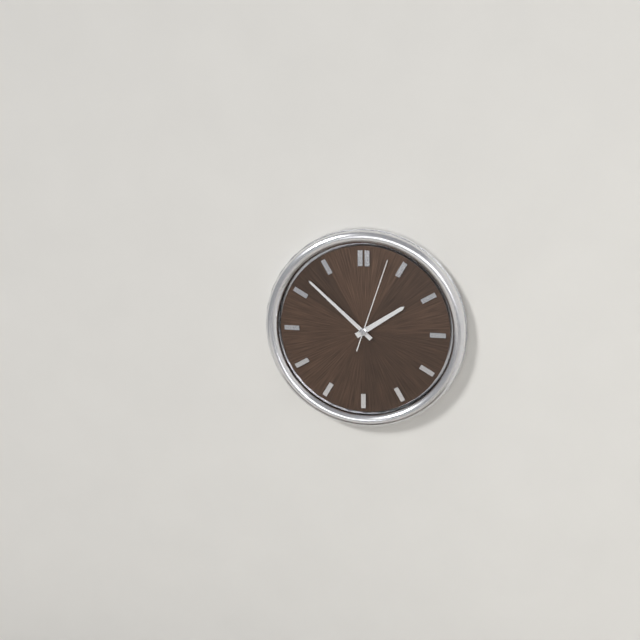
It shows 1.52.03
